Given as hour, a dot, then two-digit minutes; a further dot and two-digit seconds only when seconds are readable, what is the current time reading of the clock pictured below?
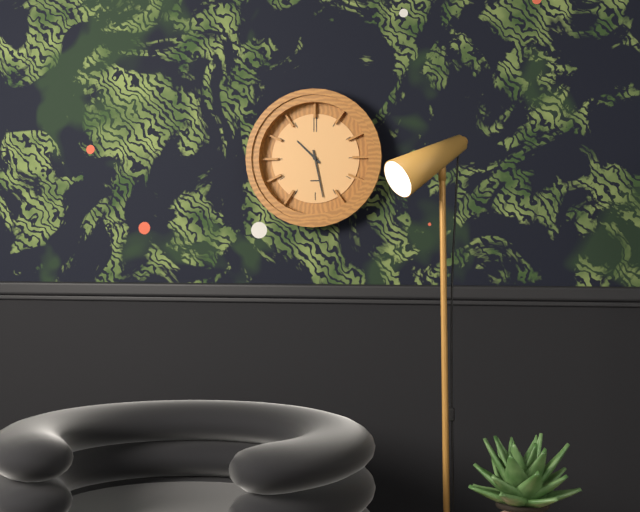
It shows 10.28
